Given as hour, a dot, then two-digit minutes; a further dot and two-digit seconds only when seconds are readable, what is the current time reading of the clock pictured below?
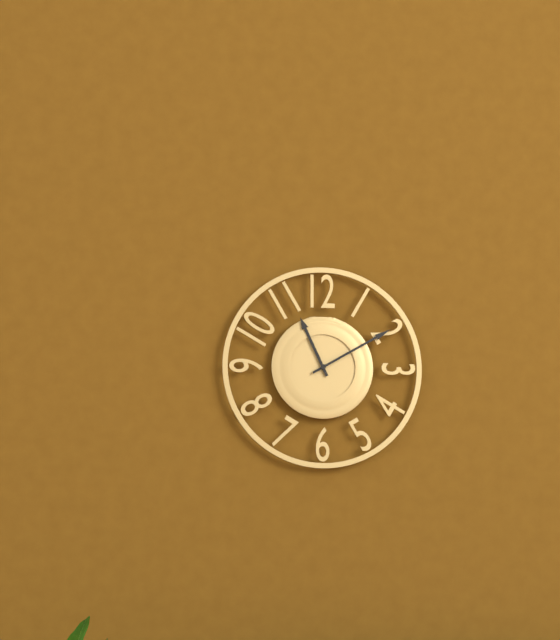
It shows 11.10
